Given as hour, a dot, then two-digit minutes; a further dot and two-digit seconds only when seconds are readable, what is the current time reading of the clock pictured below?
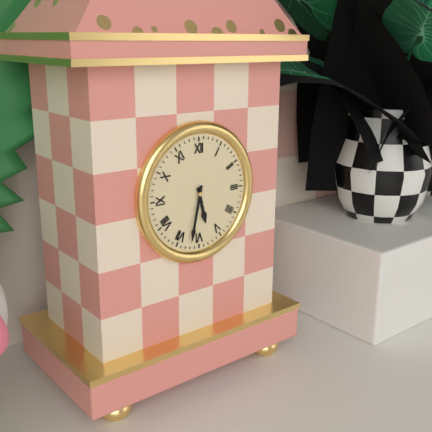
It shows 5.32
